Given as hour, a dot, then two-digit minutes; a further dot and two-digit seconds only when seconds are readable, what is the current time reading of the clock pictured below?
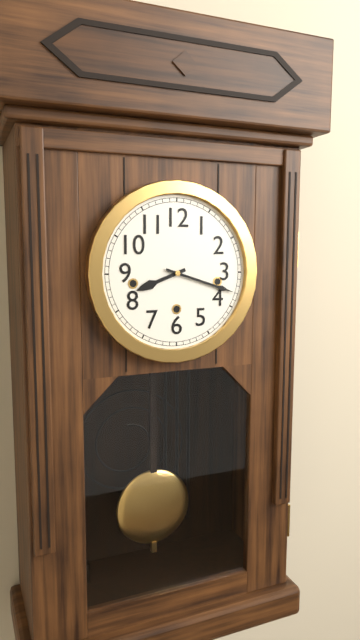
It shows 8.18
